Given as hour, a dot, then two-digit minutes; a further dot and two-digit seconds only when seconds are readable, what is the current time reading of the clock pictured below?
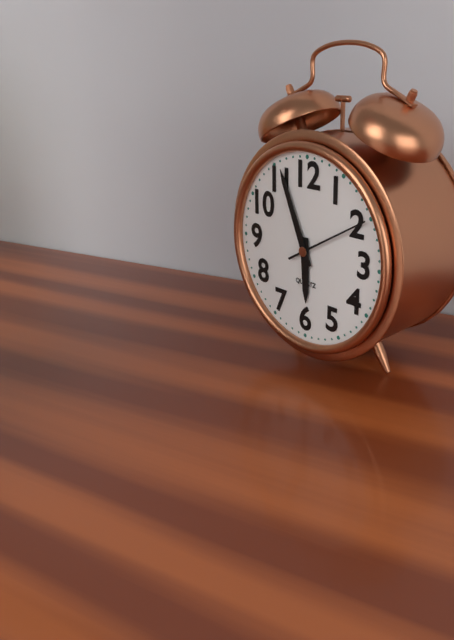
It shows 5.56.10
